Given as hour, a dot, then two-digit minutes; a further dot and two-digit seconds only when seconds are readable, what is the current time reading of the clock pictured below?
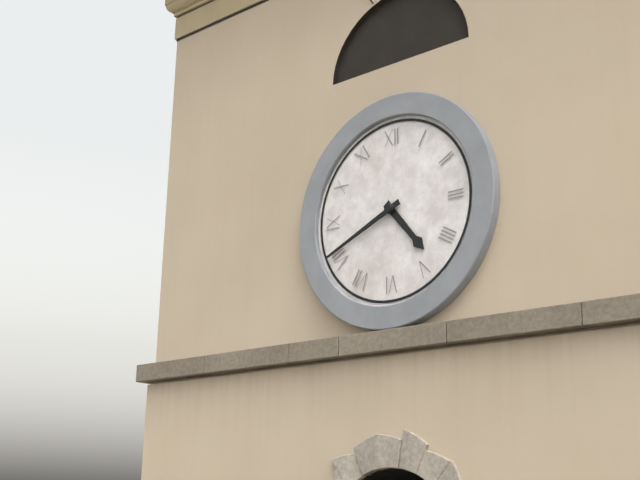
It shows 4.41
